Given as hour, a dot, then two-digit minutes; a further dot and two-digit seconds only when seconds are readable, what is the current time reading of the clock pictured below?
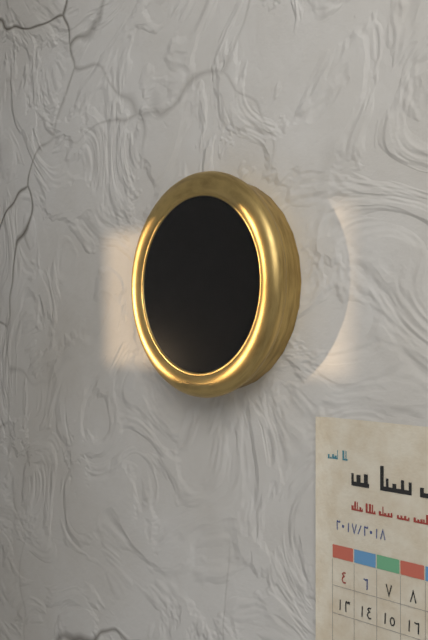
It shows 3.45.21
